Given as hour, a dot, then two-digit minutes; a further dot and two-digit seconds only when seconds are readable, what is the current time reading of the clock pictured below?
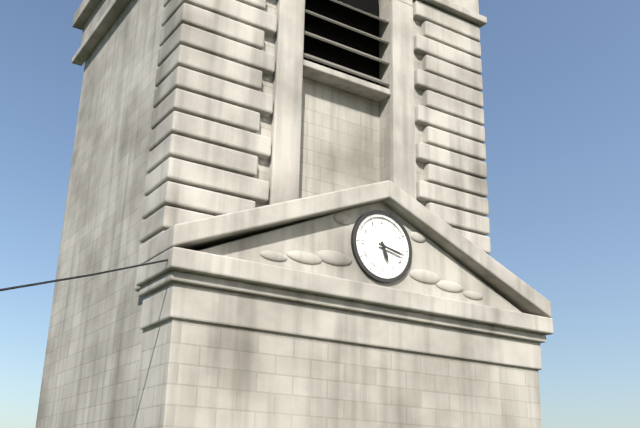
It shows 5.17
